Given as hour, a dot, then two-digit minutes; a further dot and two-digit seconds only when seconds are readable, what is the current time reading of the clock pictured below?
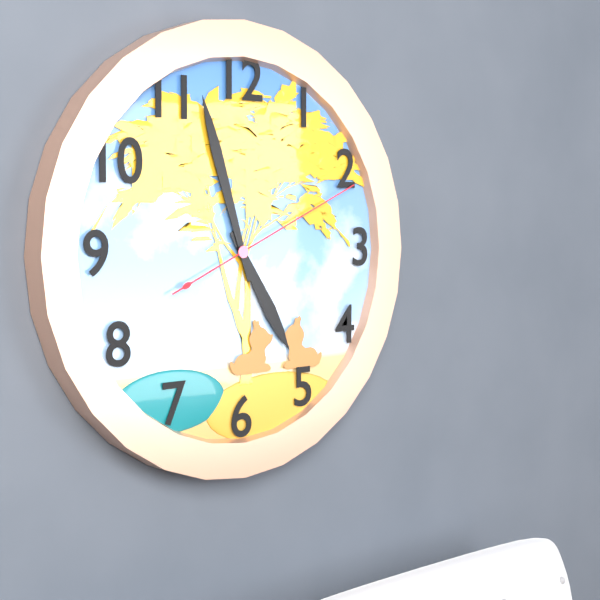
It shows 4.57.11
